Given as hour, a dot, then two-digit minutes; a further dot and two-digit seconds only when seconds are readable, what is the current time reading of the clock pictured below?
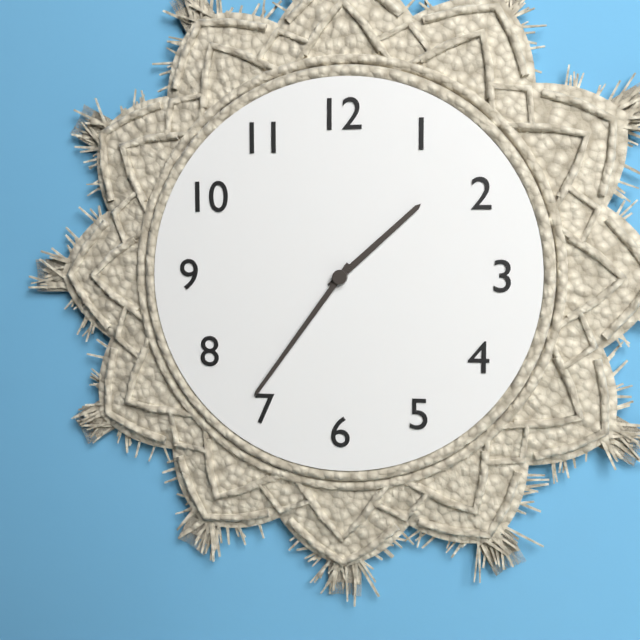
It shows 1.36
